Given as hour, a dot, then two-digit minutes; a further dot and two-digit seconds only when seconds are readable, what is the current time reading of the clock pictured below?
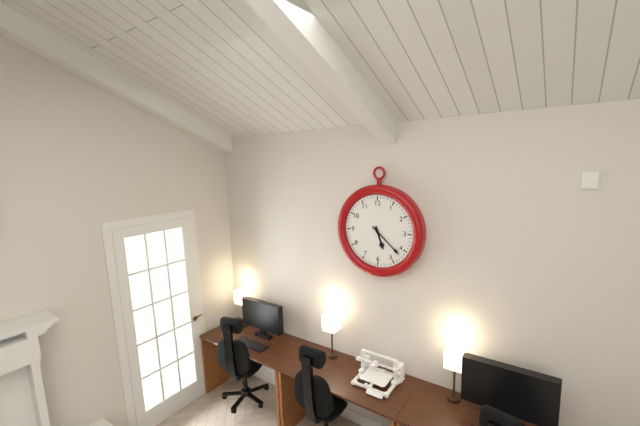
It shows 5.22
